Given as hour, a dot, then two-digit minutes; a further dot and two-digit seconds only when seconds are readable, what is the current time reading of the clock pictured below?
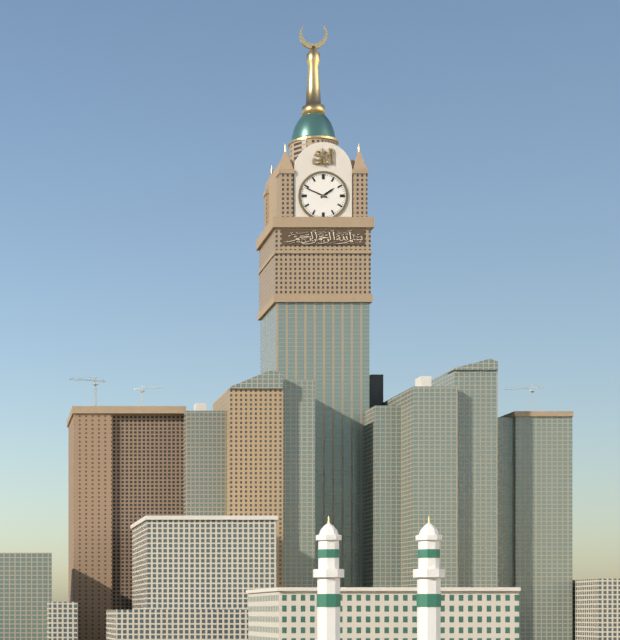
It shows 1.49
